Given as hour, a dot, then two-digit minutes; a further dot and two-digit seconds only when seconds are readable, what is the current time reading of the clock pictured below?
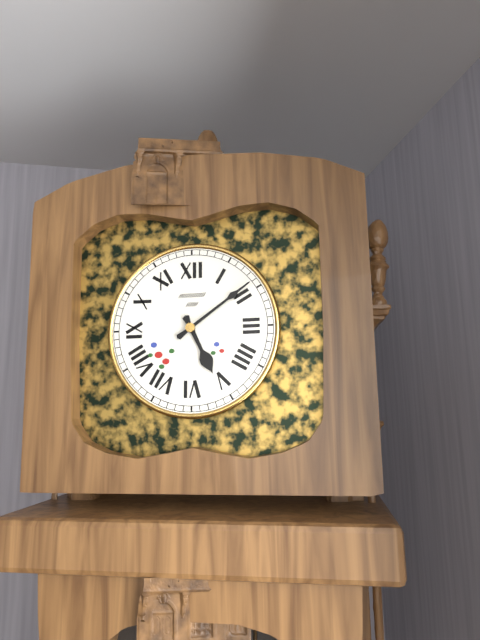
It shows 5.09
